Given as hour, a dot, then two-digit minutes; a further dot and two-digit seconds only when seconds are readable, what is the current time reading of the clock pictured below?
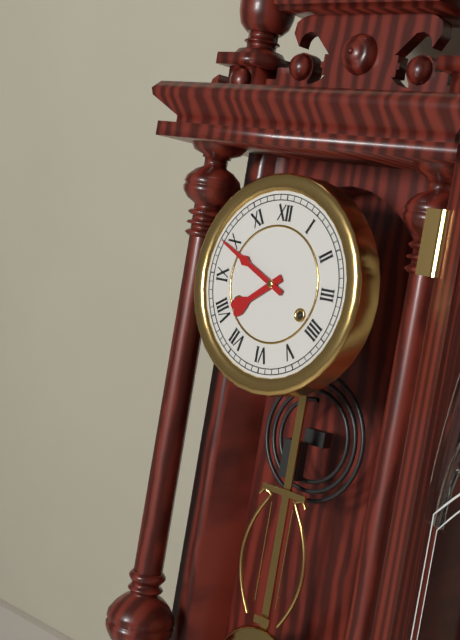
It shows 7.49
